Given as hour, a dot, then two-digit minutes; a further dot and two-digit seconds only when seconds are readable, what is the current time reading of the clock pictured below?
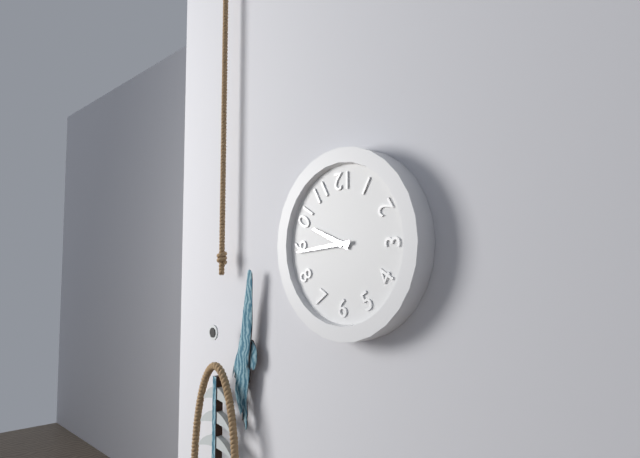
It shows 9.44
